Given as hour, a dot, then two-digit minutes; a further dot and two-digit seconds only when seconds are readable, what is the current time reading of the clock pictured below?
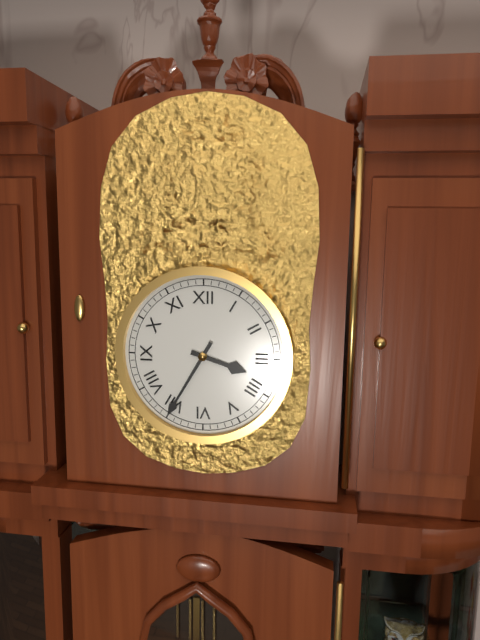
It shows 3.35
